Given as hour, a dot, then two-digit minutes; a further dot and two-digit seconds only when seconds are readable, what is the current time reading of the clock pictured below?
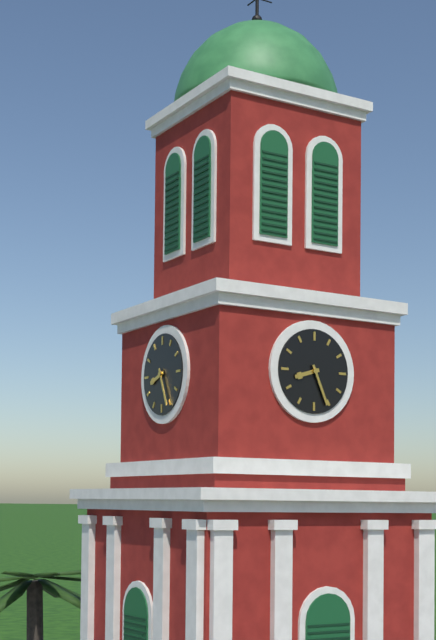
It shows 8.26
